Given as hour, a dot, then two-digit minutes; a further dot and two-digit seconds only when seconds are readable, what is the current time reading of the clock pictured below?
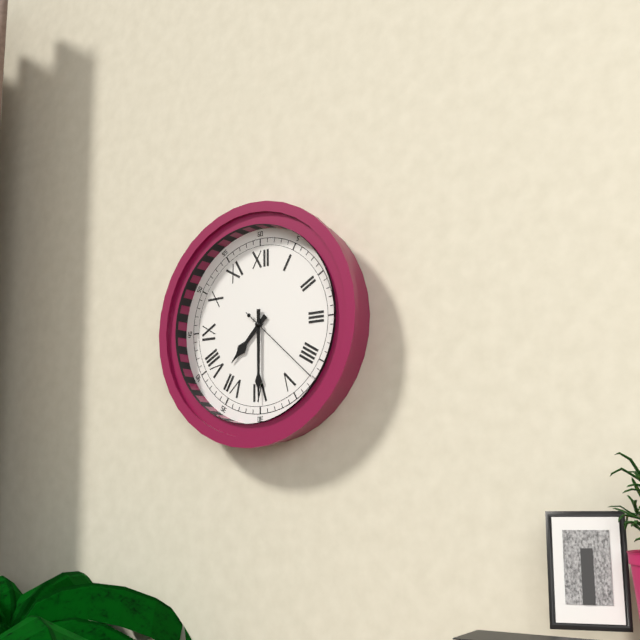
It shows 7.30.22
